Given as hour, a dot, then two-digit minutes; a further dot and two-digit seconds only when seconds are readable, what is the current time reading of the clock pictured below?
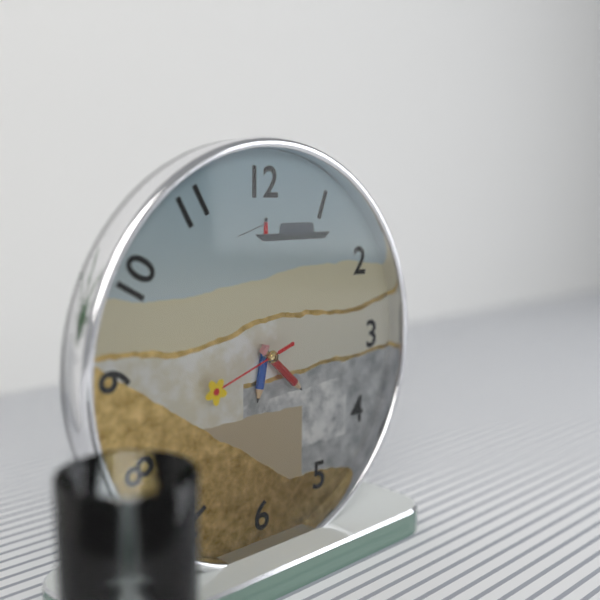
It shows 6.22.42
